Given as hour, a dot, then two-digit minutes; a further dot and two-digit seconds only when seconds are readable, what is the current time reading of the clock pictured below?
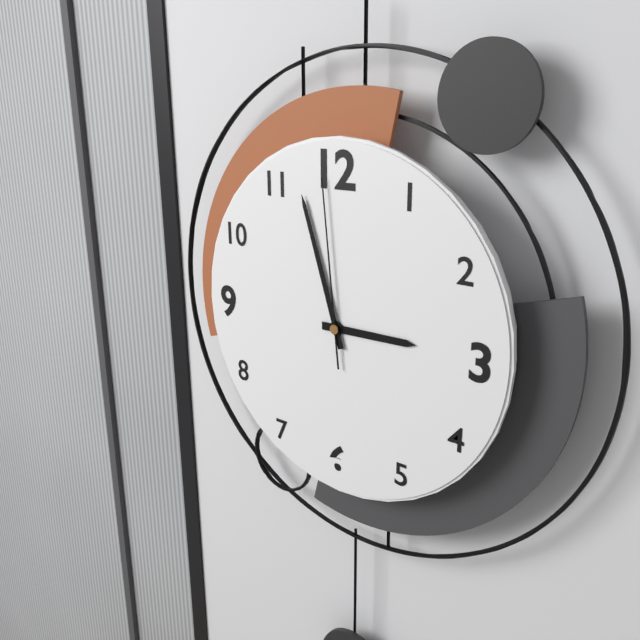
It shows 2.57.59
